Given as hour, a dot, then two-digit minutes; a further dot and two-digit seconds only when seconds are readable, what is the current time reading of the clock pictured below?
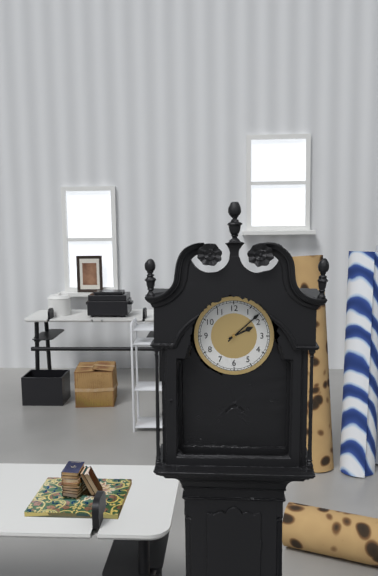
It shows 2.08
